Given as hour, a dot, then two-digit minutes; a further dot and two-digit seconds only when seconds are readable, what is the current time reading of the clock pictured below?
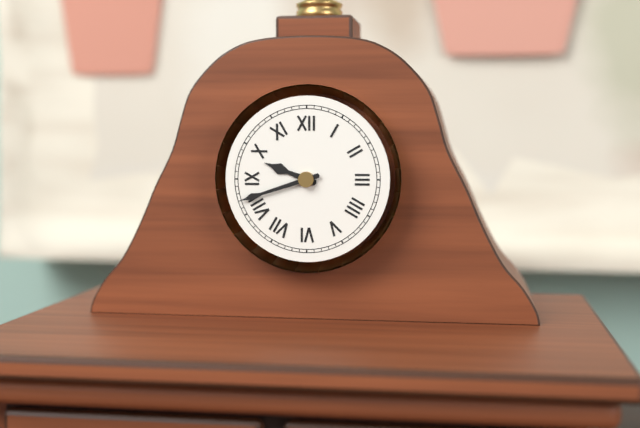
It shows 9.42
